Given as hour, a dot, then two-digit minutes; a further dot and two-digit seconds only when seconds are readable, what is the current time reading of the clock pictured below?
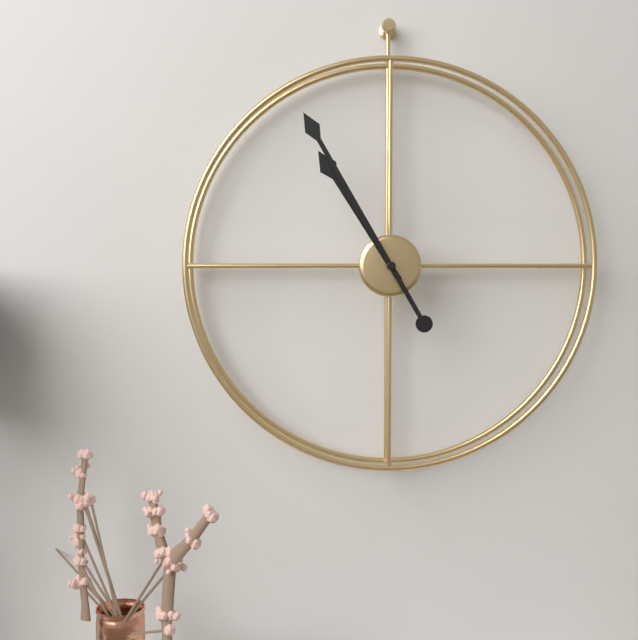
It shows 10.55
